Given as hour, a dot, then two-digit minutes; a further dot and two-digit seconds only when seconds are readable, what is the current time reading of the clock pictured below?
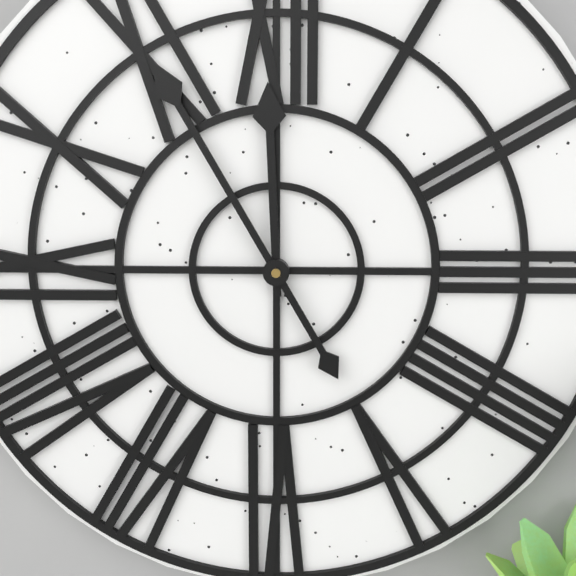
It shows 11.55
